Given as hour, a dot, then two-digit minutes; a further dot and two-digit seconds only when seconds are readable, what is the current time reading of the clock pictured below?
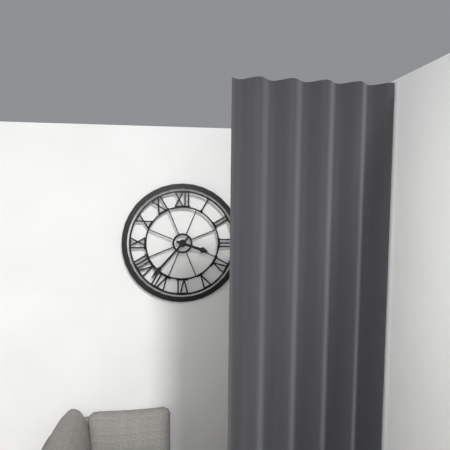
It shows 3.37
